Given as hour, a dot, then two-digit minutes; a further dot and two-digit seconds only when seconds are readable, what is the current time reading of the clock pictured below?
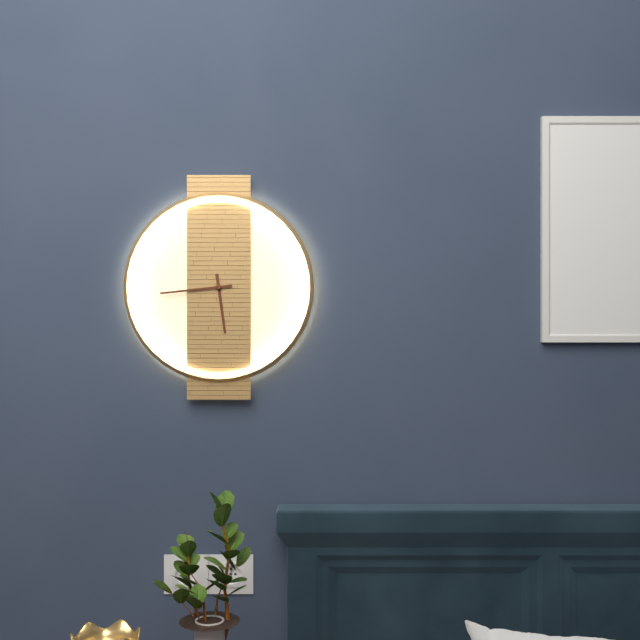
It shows 5.44
